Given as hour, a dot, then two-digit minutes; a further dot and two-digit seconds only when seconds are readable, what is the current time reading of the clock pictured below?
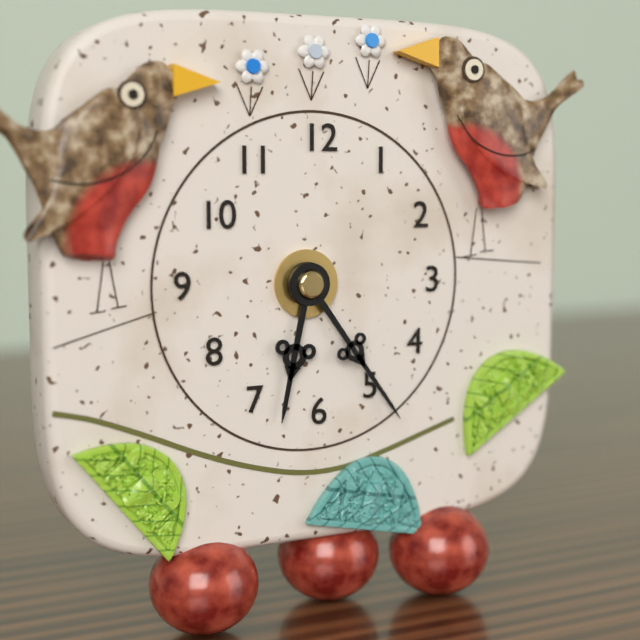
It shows 6.24
